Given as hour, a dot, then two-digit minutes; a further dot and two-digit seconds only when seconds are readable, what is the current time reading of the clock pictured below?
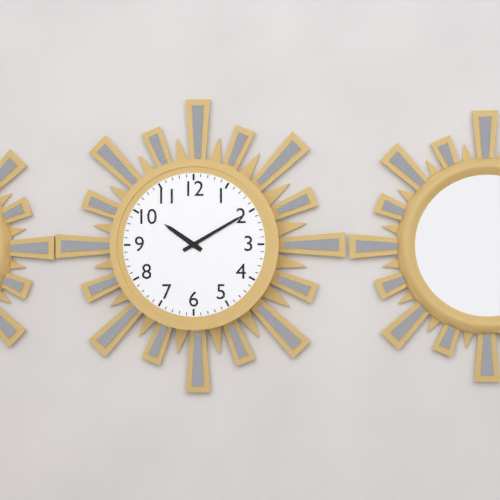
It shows 10.10
